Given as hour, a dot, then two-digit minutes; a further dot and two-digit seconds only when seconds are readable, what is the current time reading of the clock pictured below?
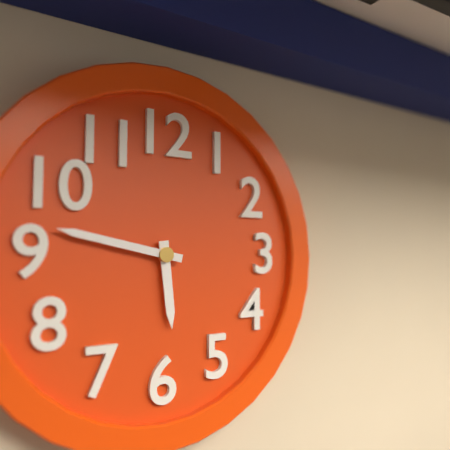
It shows 5.47
